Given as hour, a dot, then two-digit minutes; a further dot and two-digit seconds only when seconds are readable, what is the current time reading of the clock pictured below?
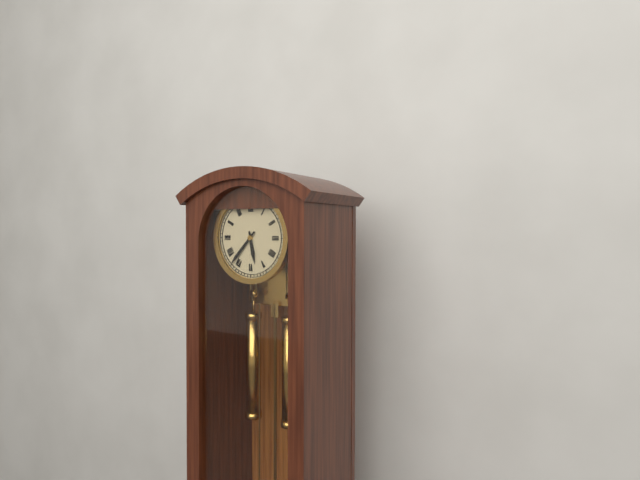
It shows 5.37
